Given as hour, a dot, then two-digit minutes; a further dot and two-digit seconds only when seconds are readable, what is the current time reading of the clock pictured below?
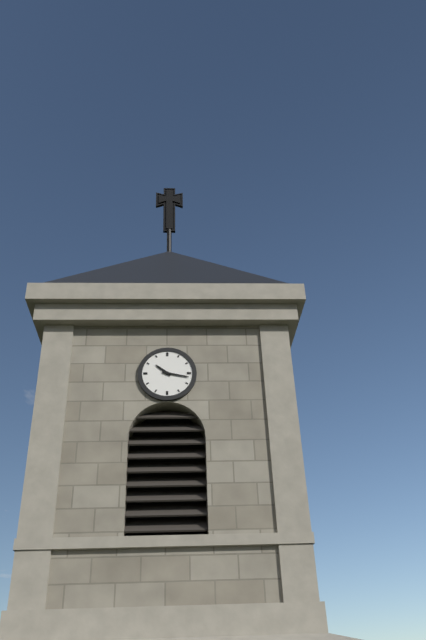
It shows 10.17
